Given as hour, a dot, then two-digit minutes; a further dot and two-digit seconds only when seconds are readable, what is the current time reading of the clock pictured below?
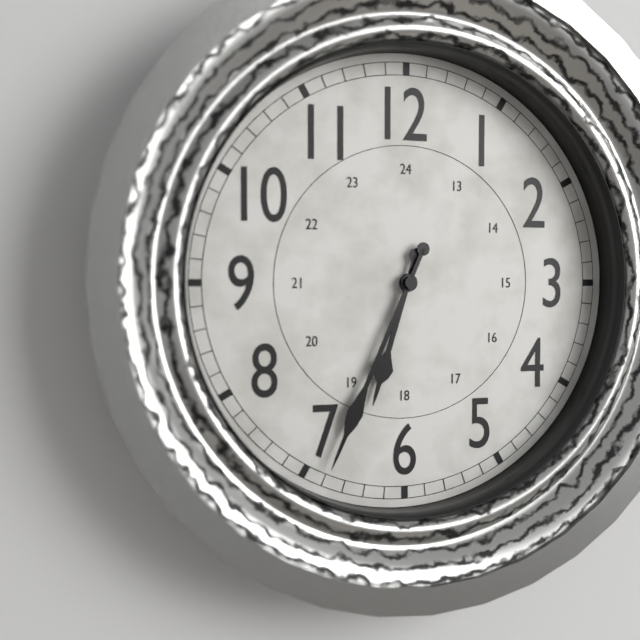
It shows 6.34
